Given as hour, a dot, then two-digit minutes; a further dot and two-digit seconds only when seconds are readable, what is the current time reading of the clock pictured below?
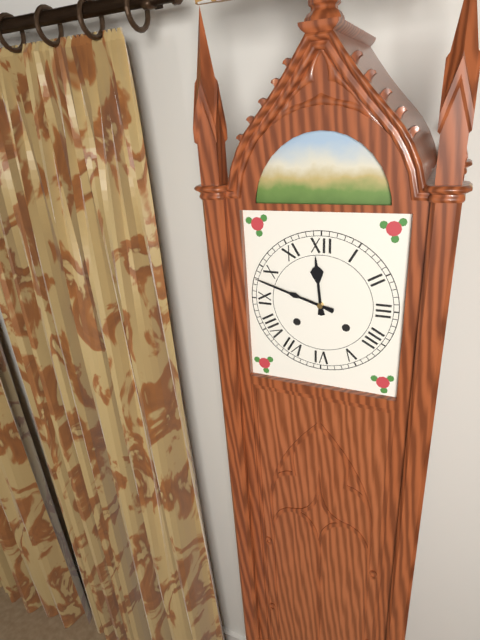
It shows 11.48
